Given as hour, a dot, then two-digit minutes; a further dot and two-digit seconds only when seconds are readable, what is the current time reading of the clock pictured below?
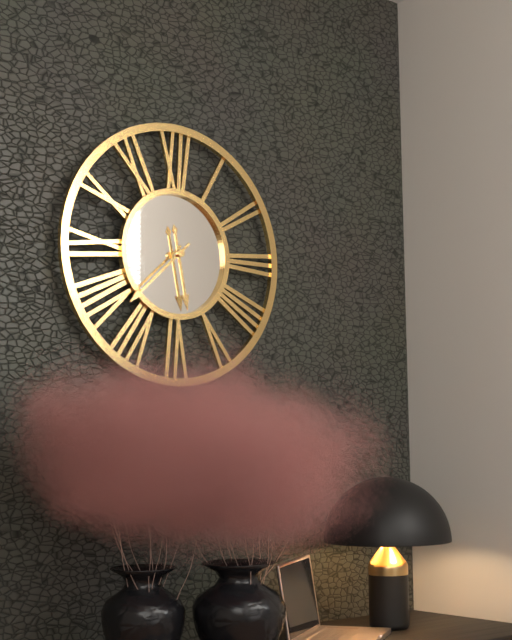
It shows 5.38
